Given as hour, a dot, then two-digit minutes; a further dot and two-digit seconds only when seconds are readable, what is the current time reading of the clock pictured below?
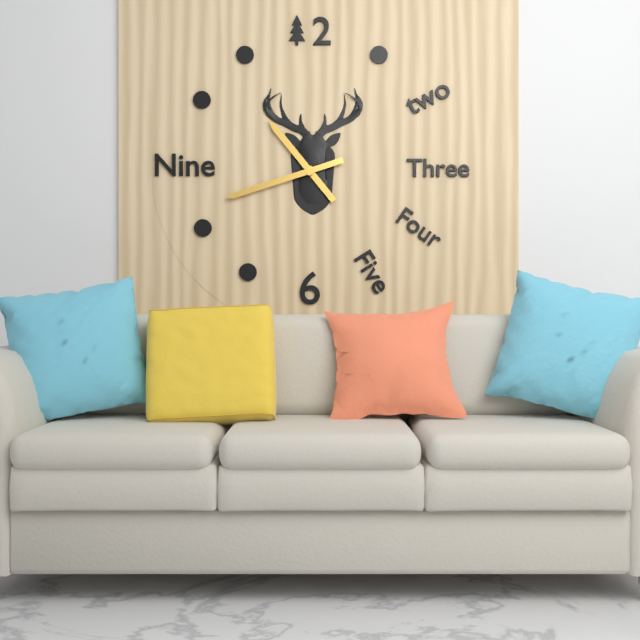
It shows 10.42
